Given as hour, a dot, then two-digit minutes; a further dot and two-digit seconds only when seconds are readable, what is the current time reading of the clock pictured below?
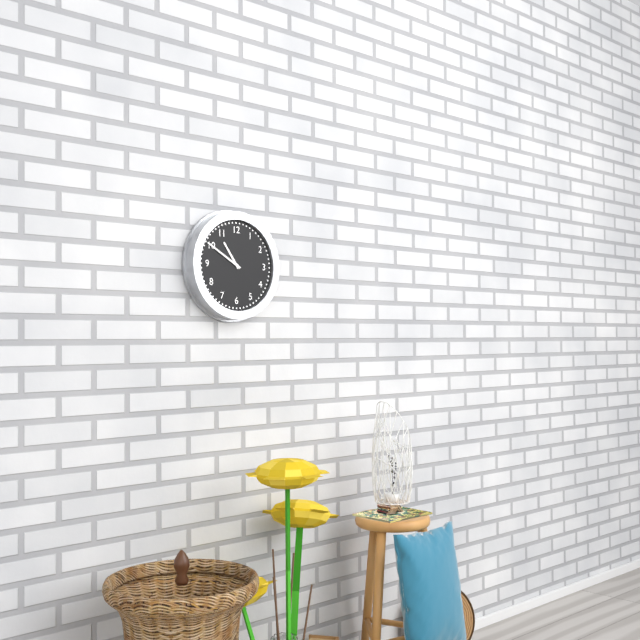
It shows 10.50
